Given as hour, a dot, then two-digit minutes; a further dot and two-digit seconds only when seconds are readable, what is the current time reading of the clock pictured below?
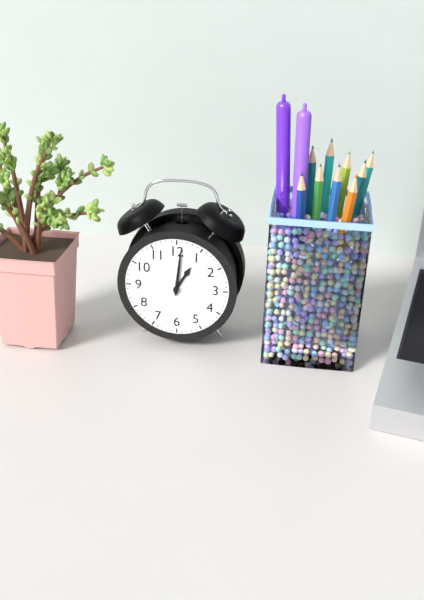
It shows 1.01
